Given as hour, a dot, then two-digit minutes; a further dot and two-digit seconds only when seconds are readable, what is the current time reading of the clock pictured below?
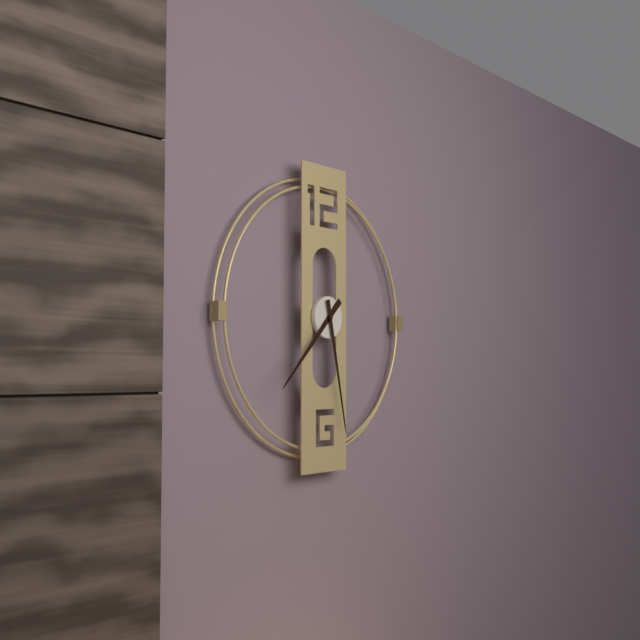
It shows 7.28
